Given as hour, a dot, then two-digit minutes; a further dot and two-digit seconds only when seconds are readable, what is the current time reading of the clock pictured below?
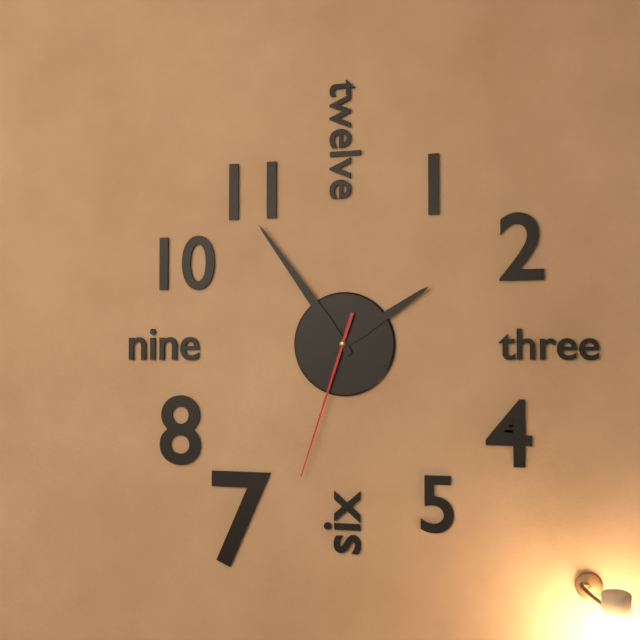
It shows 1.54.33
